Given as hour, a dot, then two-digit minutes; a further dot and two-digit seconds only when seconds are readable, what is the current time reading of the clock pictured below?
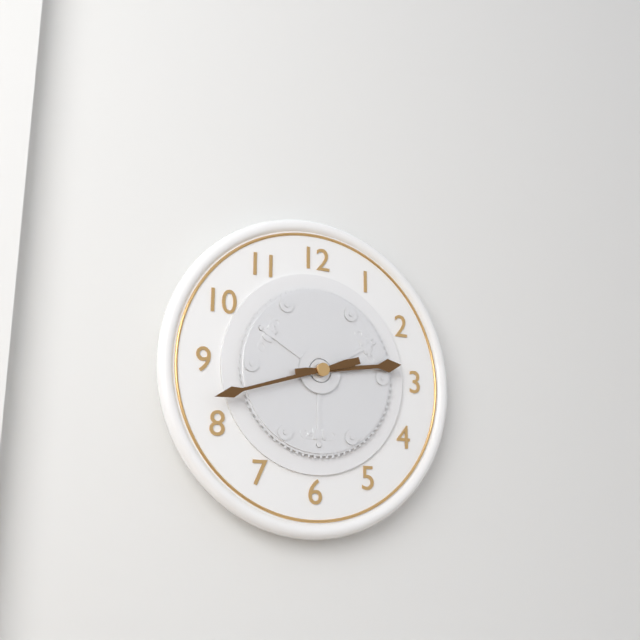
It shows 2.42
